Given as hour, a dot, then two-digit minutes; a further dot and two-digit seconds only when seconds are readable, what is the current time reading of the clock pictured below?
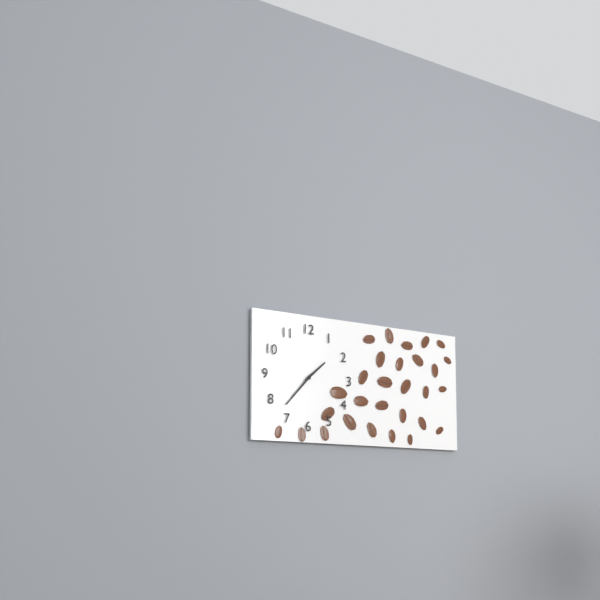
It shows 1.37
